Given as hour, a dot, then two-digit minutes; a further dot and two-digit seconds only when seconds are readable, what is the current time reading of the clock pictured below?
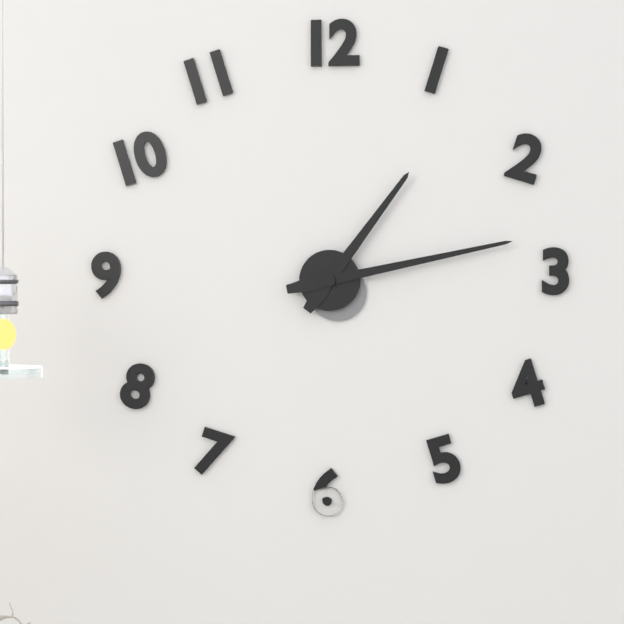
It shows 1.13
